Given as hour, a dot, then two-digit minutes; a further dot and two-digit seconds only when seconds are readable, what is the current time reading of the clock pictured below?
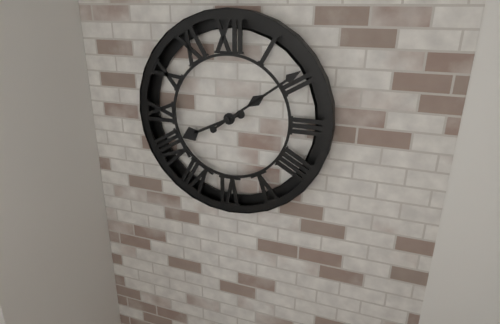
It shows 8.09
